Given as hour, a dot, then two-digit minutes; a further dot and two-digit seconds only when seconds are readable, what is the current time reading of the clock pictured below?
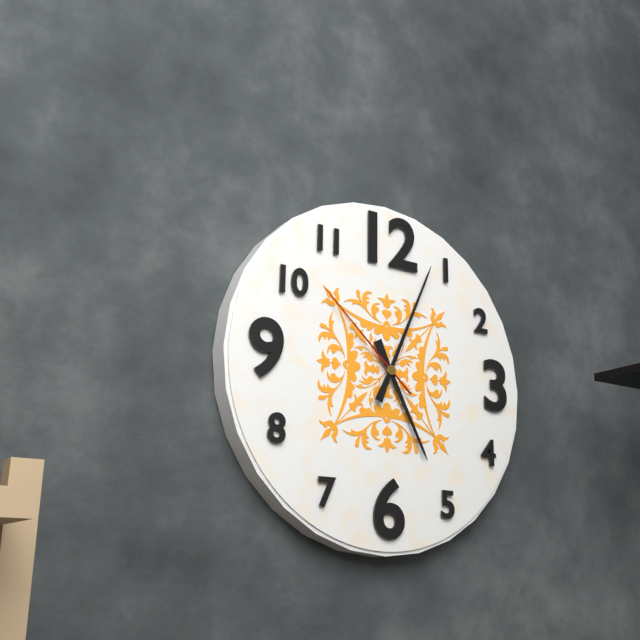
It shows 5.04.52
